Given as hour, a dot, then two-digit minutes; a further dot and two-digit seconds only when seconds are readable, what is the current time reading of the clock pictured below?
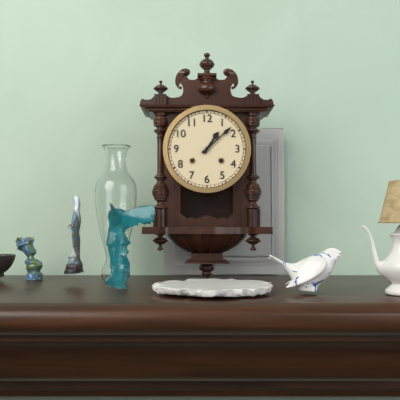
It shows 1.08
